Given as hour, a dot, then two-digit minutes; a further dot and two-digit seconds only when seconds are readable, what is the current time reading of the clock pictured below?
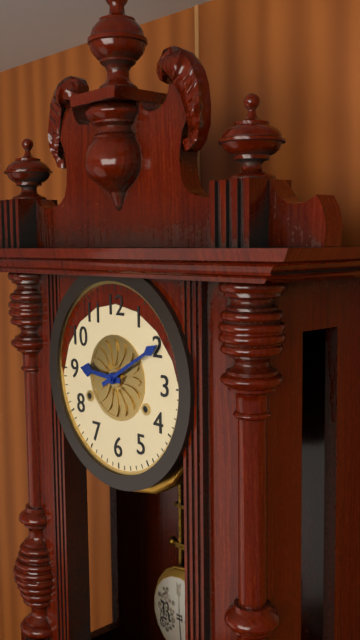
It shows 9.10
